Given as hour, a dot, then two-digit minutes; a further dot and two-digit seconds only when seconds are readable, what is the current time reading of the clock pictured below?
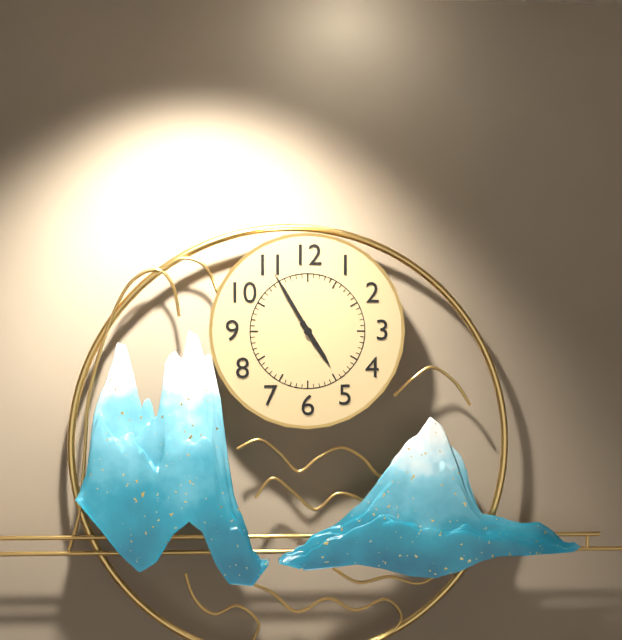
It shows 4.55
